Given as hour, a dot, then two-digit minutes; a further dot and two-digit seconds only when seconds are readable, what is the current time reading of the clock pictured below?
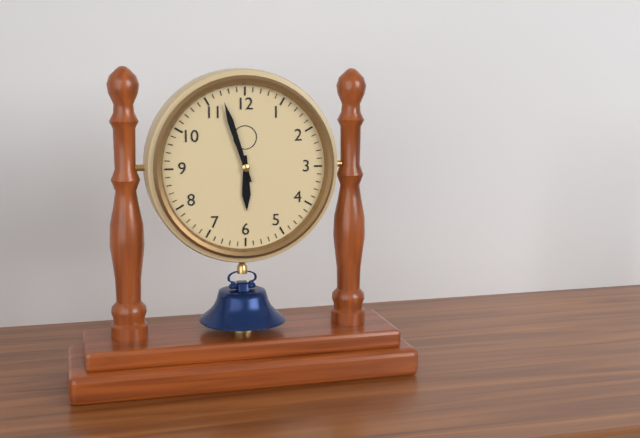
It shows 5.57
